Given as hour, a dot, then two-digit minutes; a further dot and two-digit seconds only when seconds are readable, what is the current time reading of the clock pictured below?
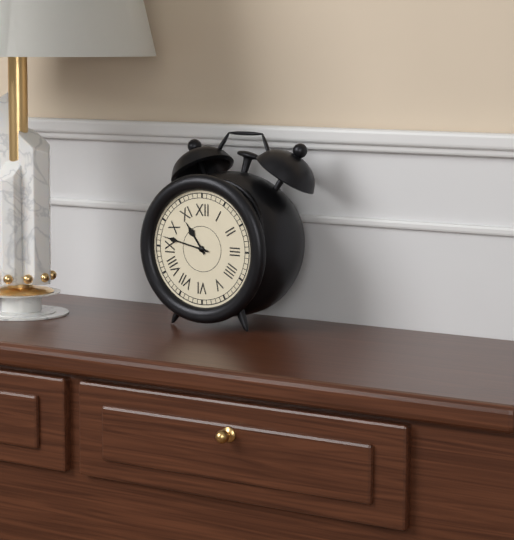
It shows 10.47
